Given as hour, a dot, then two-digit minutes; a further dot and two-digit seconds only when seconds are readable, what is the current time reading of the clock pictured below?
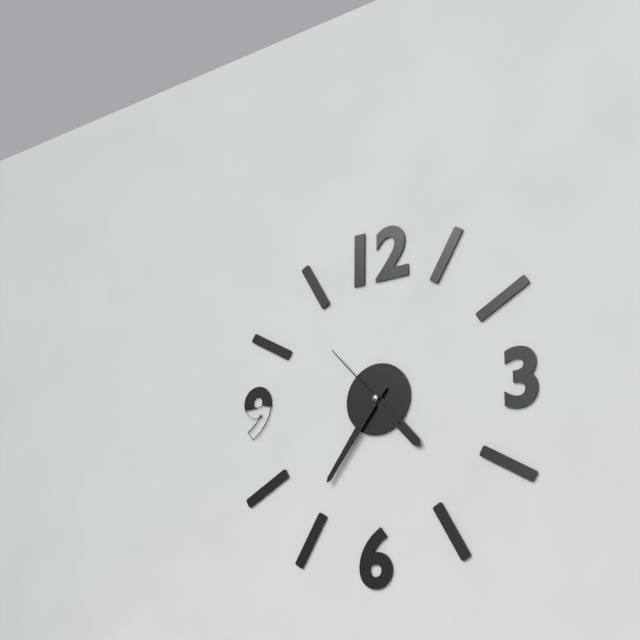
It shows 4.36.53
